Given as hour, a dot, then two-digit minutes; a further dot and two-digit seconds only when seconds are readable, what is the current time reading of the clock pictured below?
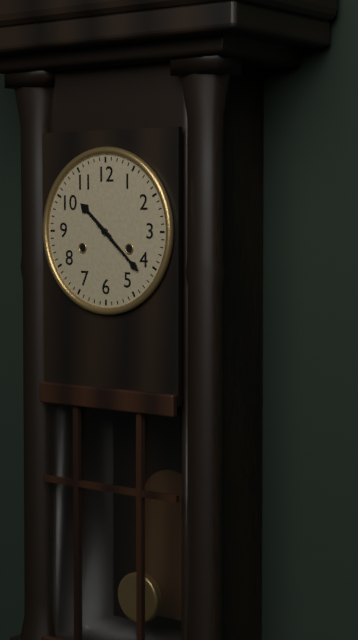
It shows 10.22
